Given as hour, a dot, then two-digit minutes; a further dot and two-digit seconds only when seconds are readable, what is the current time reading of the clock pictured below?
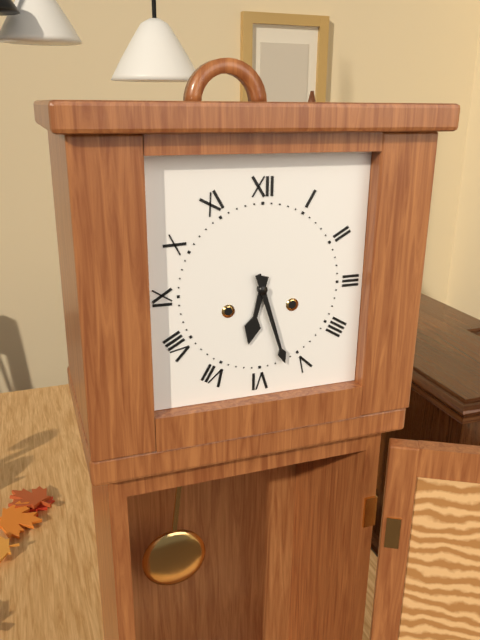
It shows 6.27
